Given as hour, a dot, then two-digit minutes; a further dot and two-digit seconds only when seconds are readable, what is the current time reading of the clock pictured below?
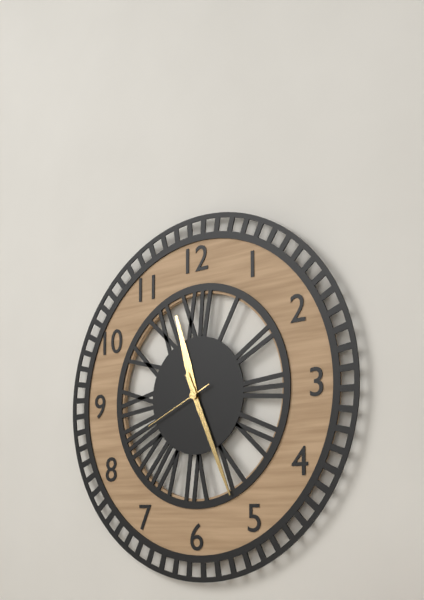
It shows 11.26.41
